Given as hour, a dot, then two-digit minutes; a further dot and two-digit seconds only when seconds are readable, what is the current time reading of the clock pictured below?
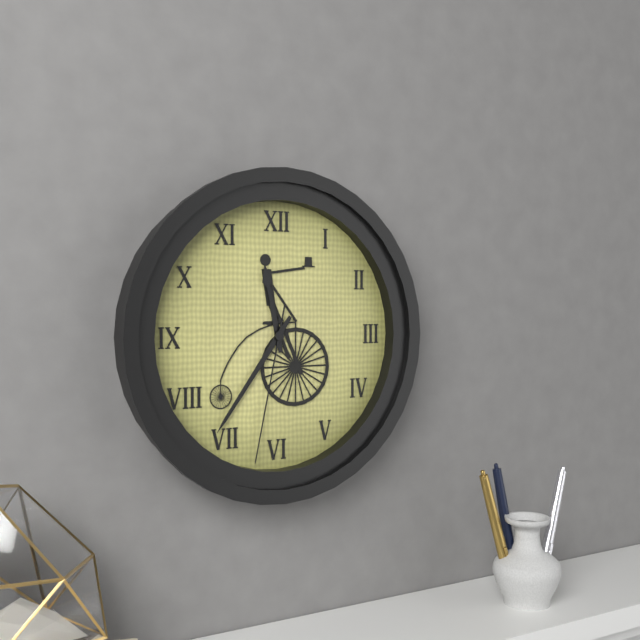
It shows 11.36.32
